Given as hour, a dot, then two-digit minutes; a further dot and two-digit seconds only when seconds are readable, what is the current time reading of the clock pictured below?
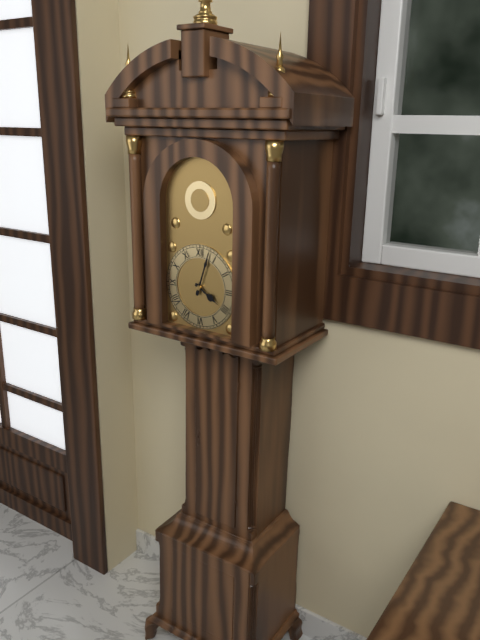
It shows 4.03
